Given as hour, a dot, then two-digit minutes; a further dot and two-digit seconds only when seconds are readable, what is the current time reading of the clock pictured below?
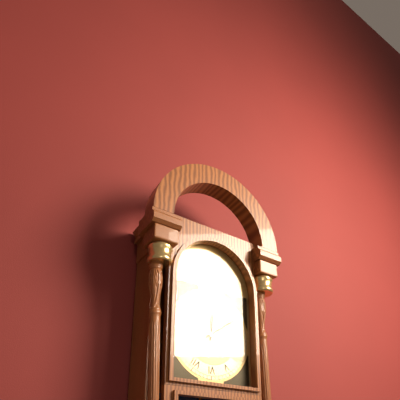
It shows 12.09
